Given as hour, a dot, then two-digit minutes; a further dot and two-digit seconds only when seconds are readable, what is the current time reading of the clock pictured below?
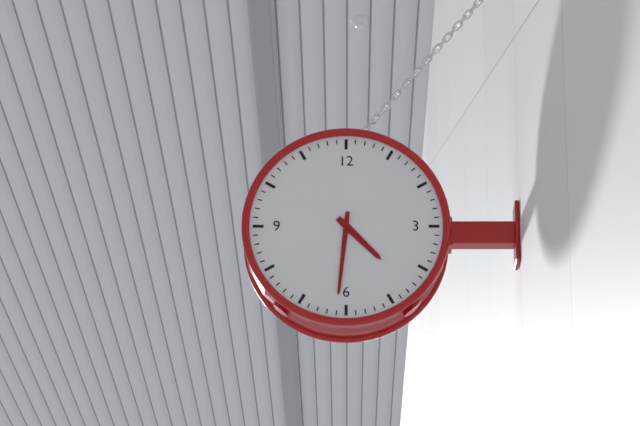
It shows 4.31
